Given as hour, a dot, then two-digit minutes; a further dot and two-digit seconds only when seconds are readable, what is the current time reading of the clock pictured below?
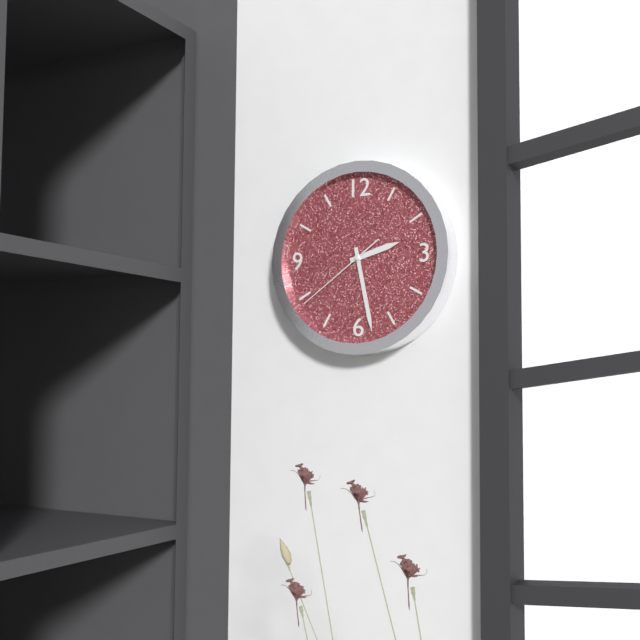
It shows 2.28.39
